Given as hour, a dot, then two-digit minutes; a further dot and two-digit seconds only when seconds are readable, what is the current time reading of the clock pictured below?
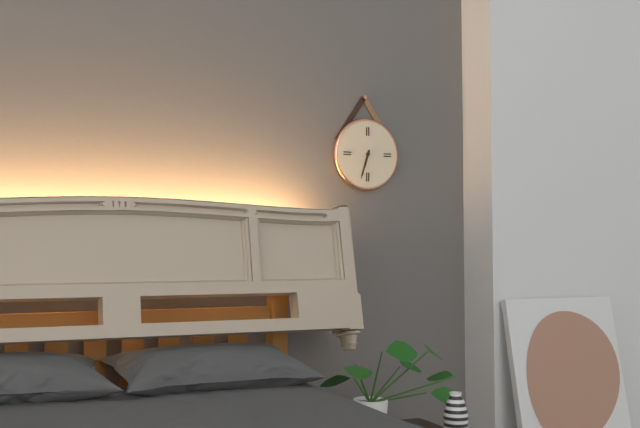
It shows 6.33
